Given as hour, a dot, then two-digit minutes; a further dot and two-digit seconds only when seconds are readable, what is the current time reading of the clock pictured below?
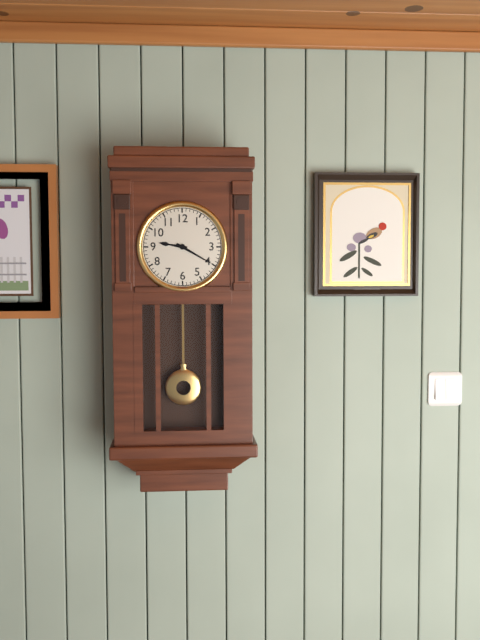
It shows 9.20
